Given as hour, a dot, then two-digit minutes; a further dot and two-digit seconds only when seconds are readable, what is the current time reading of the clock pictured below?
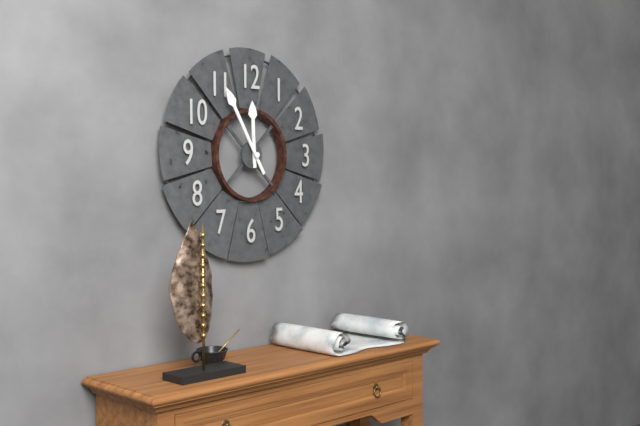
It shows 11.55
